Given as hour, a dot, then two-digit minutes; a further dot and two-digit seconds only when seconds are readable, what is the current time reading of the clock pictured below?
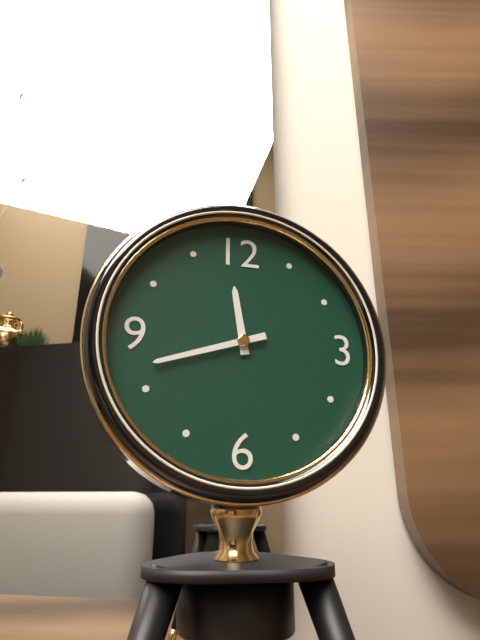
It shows 11.42
